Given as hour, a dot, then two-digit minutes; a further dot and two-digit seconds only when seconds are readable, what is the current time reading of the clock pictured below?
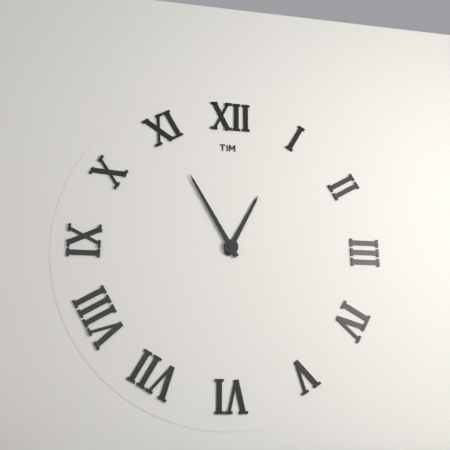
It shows 12.55
